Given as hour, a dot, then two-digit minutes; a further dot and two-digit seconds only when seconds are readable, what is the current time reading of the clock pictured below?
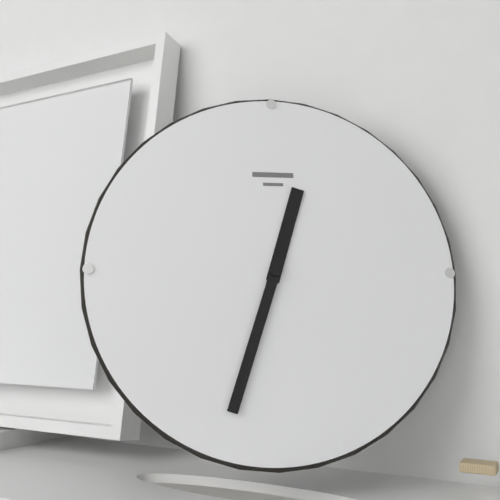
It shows 12.33
